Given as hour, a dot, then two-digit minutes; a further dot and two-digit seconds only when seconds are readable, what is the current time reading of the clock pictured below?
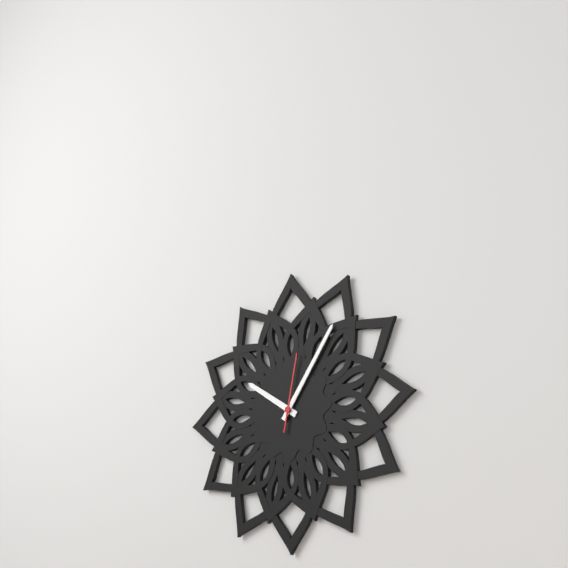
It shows 10.06.02
